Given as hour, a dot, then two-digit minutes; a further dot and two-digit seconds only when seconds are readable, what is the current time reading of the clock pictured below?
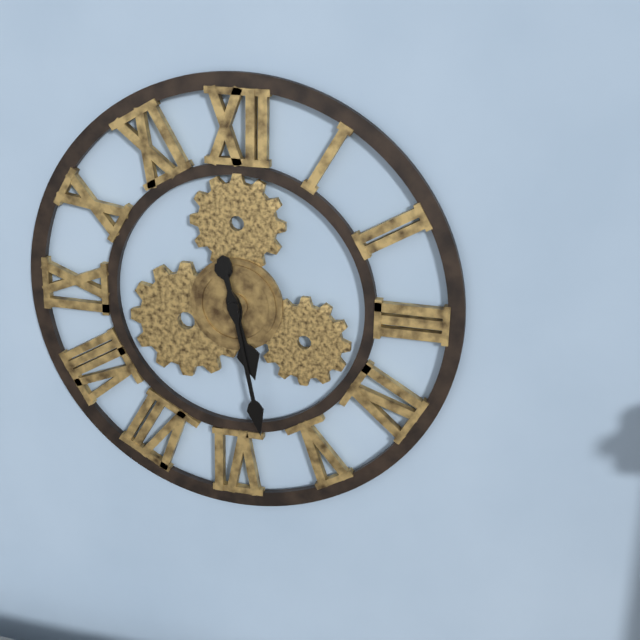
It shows 5.28
